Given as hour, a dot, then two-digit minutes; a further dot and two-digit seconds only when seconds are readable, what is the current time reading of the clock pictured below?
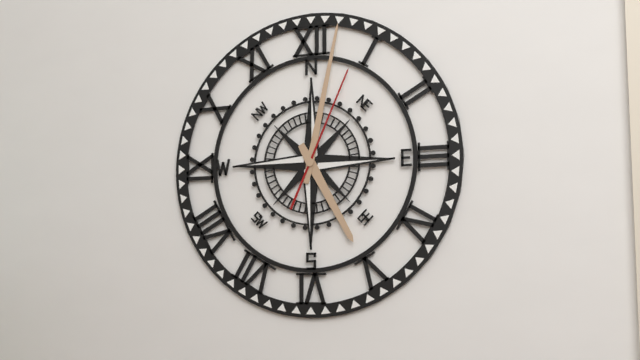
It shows 5.02.04
